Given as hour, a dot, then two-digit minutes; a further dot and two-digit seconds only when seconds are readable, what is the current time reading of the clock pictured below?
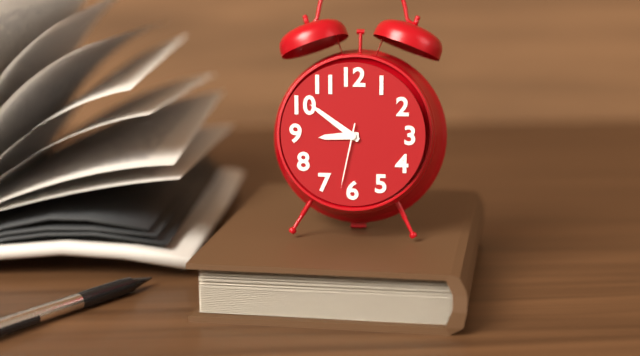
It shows 8.51.32
